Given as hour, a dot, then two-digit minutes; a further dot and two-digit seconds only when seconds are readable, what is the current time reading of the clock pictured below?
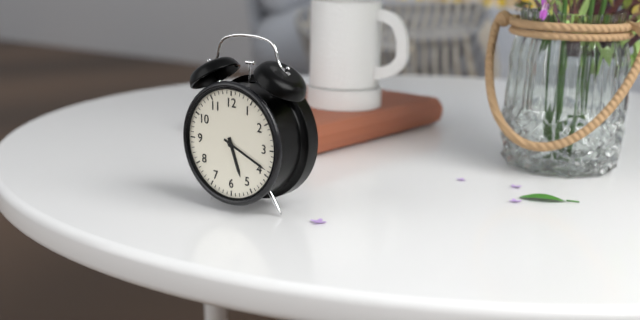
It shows 5.19
